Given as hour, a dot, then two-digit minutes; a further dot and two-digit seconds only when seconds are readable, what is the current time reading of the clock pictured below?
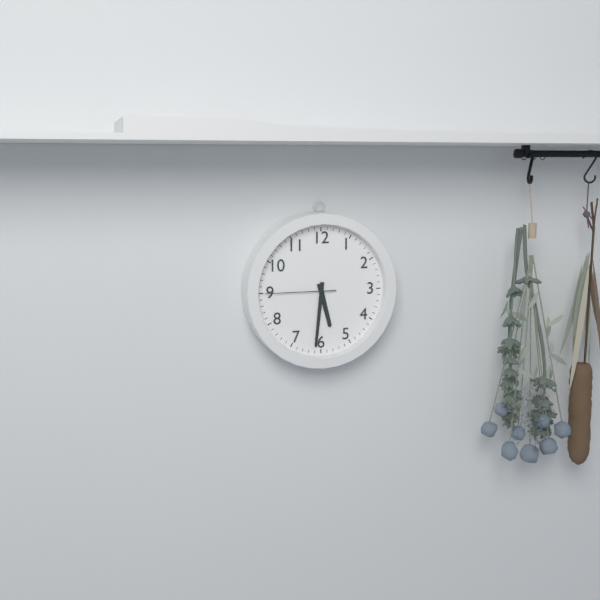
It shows 5.31.45
